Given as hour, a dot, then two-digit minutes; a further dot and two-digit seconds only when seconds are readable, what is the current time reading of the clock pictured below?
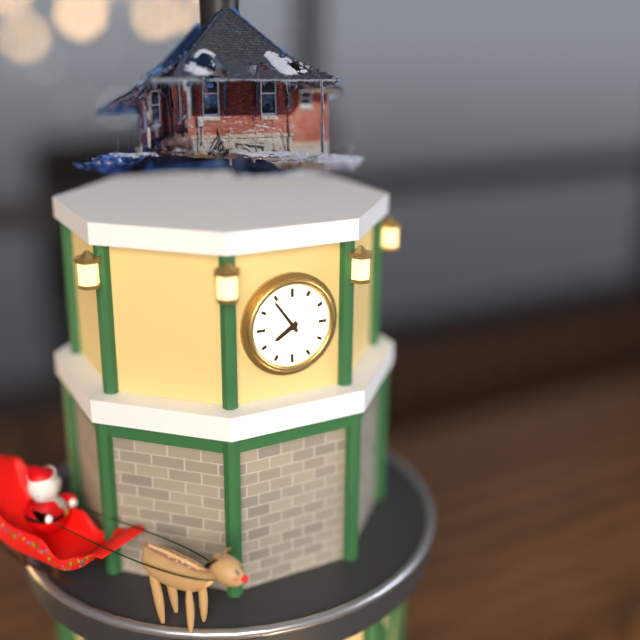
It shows 7.54
